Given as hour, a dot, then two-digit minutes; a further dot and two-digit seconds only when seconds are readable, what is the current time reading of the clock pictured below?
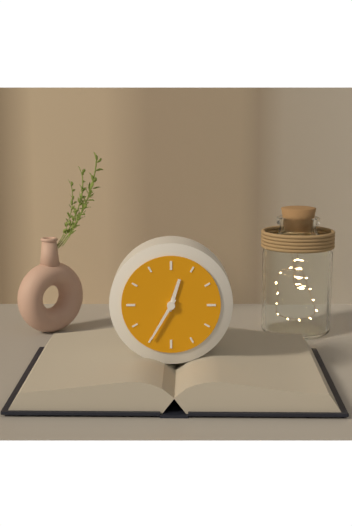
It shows 12.35
